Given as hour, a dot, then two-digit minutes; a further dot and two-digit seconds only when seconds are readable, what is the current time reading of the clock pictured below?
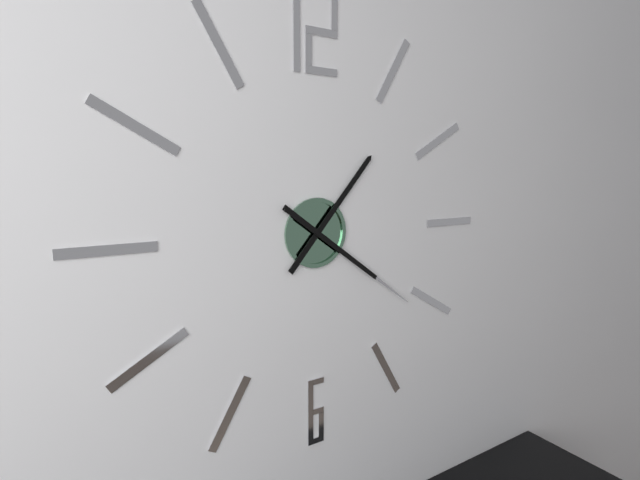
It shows 1.21
